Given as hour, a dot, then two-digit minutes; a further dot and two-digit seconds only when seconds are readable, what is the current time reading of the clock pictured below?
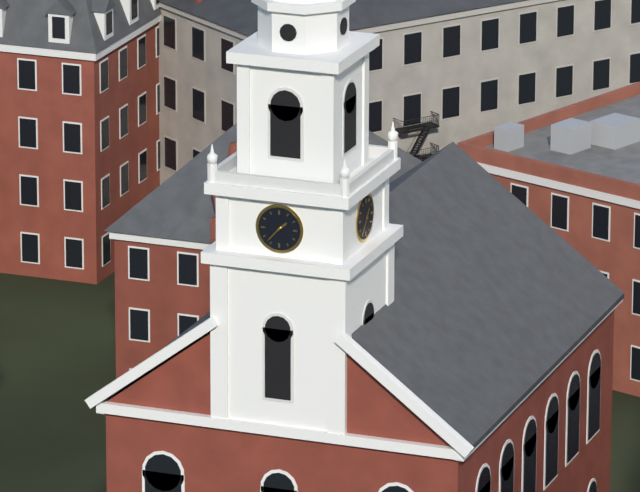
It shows 1.37
